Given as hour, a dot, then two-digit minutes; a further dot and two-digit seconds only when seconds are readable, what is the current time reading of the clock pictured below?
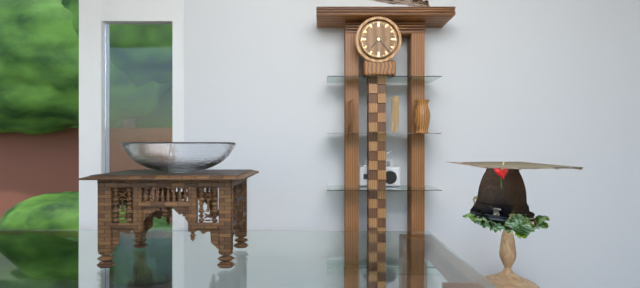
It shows 7.23
